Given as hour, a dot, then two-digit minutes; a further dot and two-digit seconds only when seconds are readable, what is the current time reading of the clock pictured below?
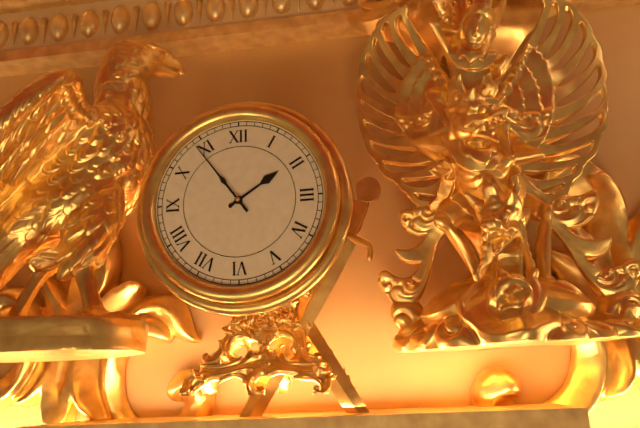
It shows 1.54
